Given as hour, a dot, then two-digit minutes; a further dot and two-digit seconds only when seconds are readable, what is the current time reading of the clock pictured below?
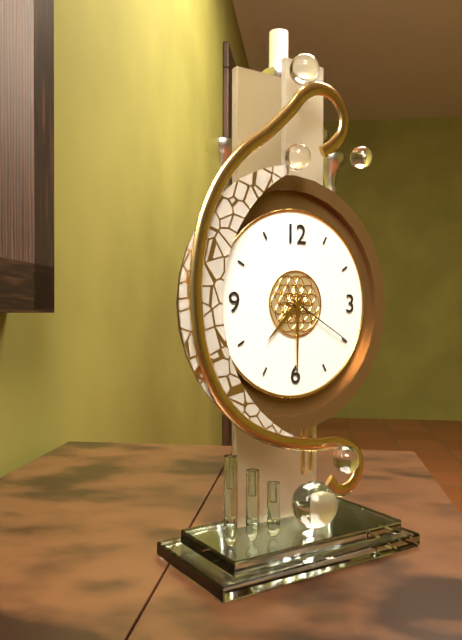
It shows 7.30.20
